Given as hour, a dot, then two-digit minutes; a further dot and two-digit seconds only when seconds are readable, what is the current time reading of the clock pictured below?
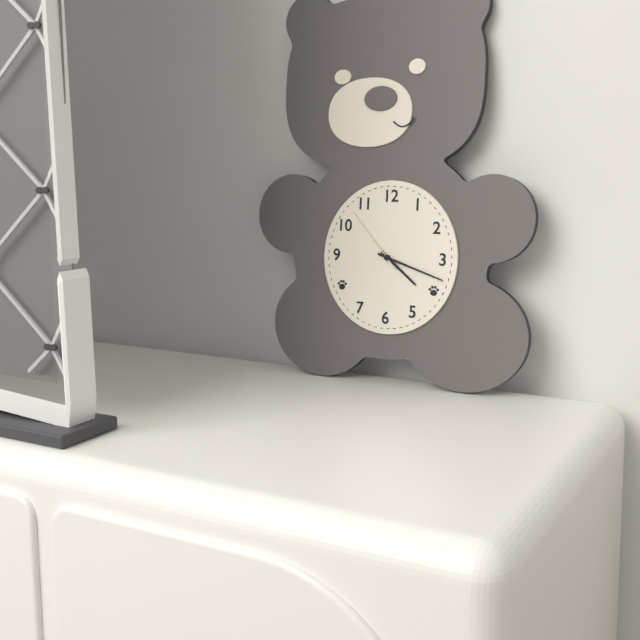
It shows 4.18.53
